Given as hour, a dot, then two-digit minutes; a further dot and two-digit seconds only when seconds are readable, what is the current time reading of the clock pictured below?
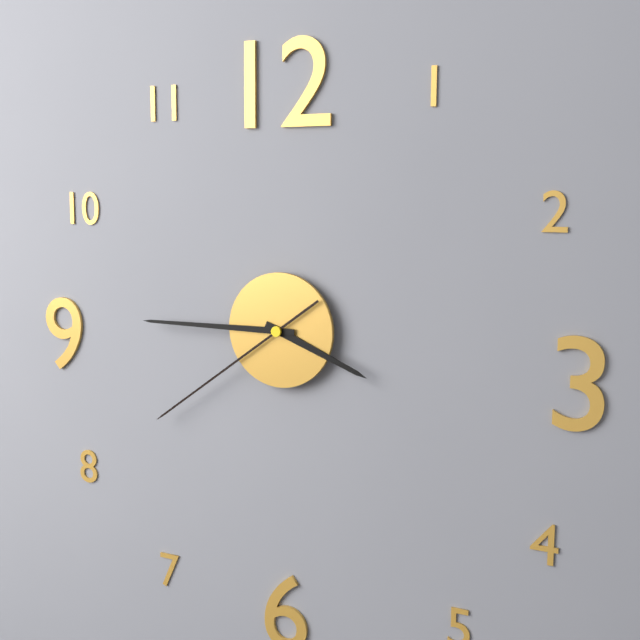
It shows 3.45.39
